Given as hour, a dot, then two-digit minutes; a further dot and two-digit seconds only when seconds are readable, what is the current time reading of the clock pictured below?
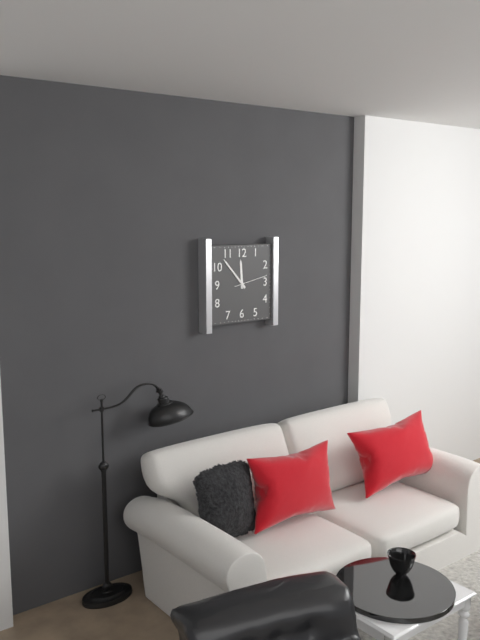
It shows 11.53
